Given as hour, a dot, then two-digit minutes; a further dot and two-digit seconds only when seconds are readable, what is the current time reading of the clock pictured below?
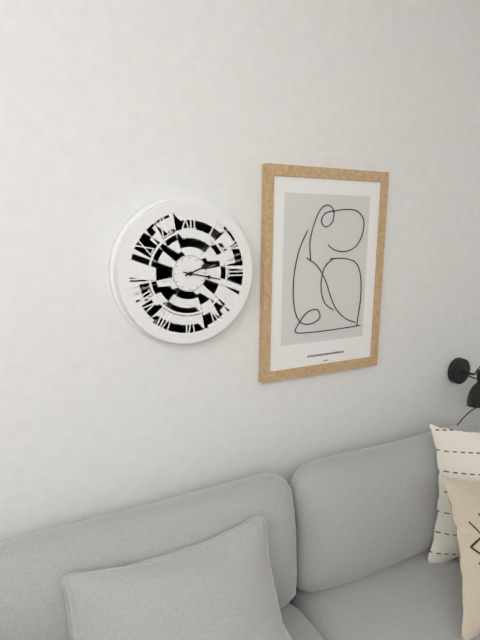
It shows 2.17
